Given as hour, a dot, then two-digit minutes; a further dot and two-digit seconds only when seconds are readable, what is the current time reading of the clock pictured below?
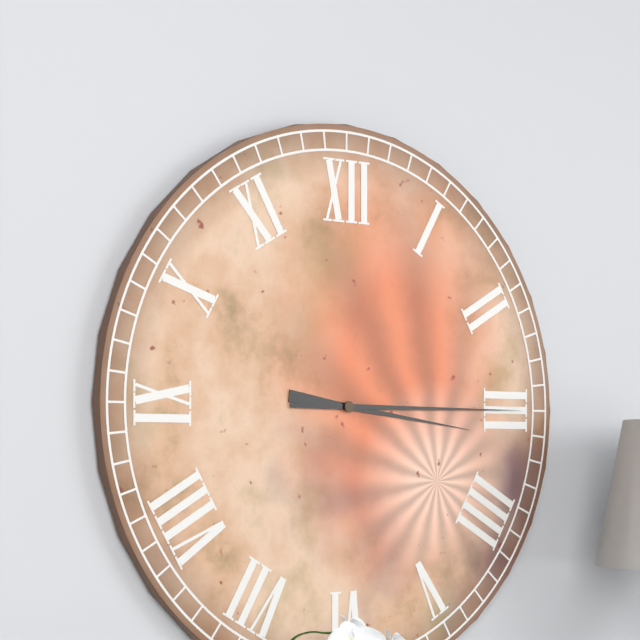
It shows 3.15
